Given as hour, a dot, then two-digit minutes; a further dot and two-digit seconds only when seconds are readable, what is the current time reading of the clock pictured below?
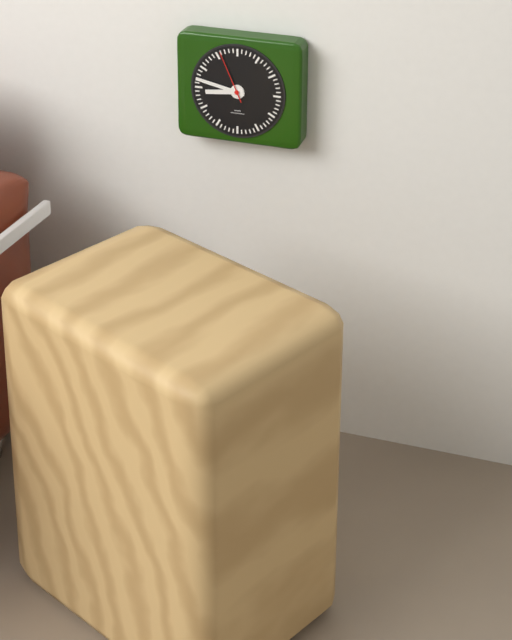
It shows 8.47.56
